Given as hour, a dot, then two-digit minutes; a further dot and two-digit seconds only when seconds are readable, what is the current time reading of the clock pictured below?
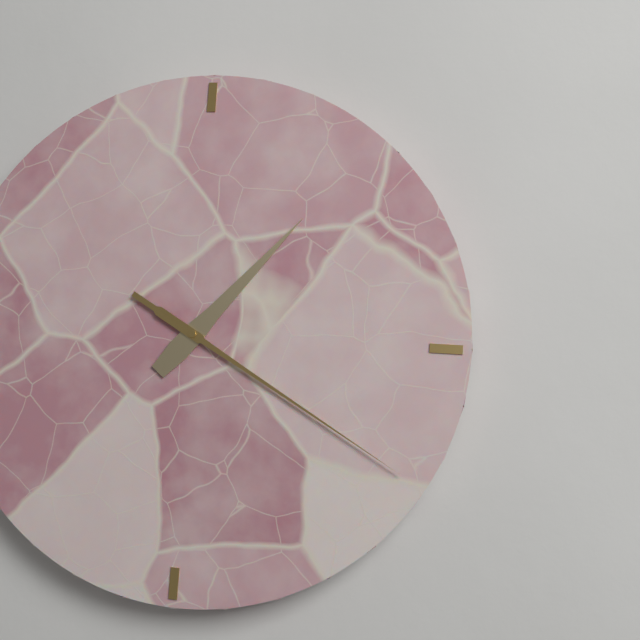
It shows 1.20
